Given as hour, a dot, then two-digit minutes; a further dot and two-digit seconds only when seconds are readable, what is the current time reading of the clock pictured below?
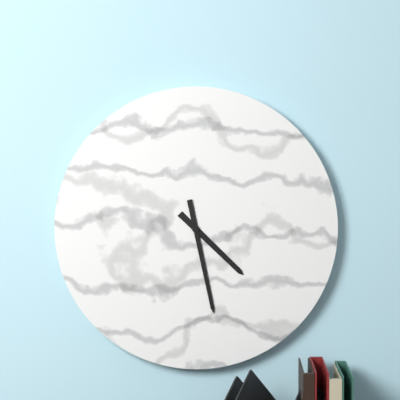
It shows 4.28
